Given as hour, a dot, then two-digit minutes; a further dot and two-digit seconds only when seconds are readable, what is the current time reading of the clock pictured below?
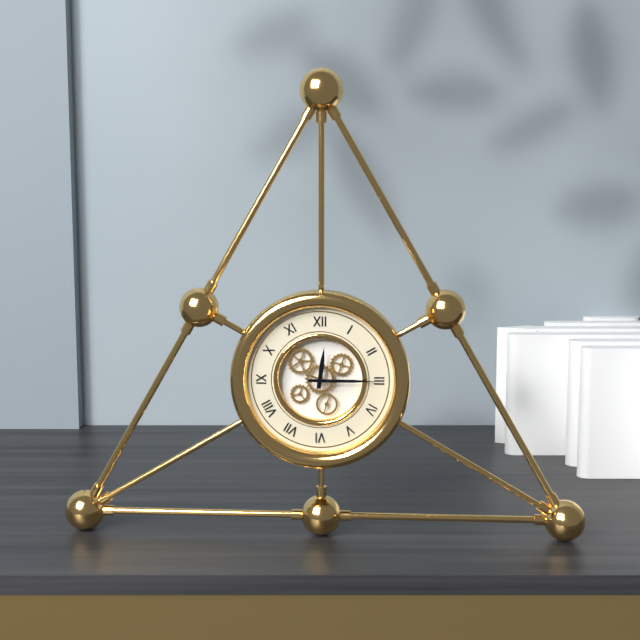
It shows 12.15
